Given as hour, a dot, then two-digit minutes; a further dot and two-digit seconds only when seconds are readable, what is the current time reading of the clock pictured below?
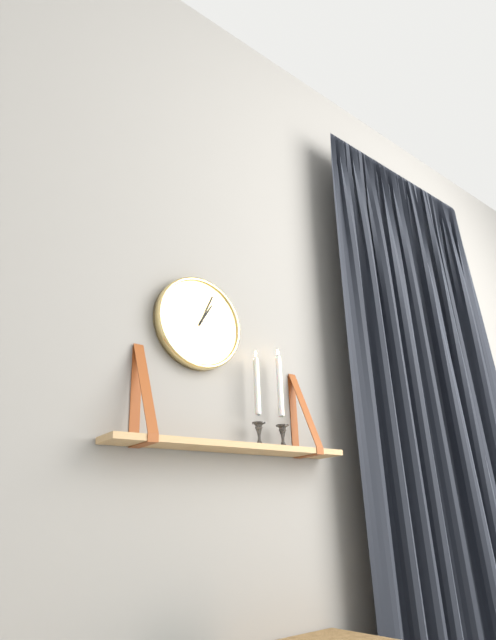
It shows 1.04
